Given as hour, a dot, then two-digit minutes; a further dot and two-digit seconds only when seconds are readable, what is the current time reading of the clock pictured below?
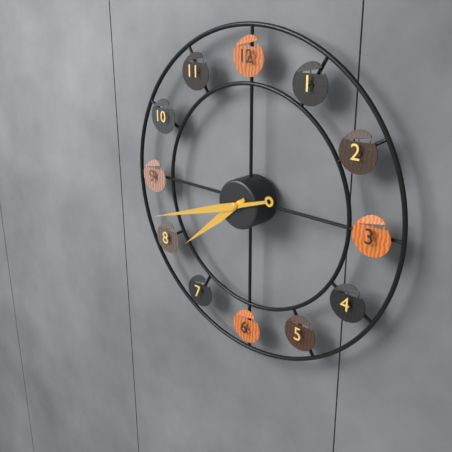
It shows 7.42
